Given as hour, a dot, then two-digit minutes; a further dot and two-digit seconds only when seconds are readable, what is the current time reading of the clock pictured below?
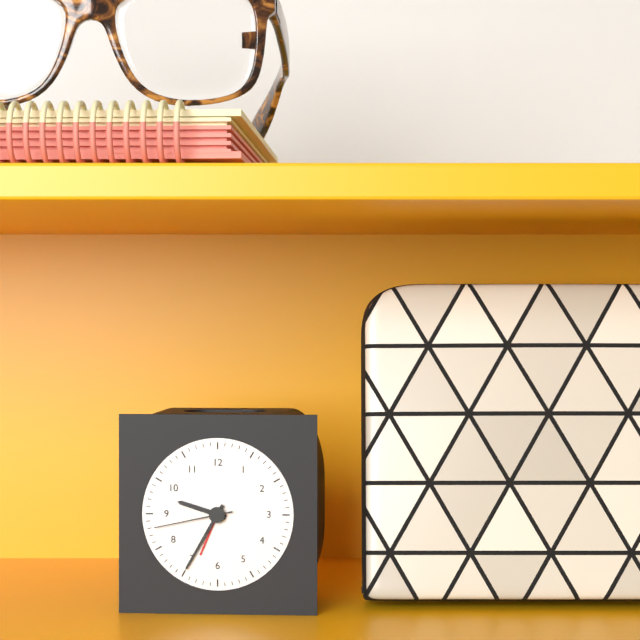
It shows 9.35.43
